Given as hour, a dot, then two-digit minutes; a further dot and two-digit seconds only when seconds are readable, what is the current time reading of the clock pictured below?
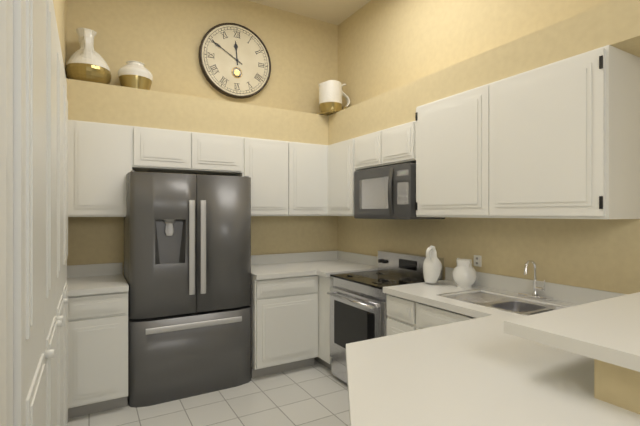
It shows 11.50
